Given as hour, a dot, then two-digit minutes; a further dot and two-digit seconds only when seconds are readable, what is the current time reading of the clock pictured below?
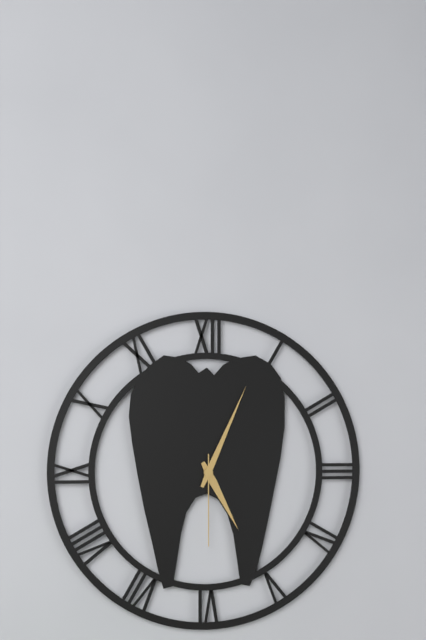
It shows 5.04.30
